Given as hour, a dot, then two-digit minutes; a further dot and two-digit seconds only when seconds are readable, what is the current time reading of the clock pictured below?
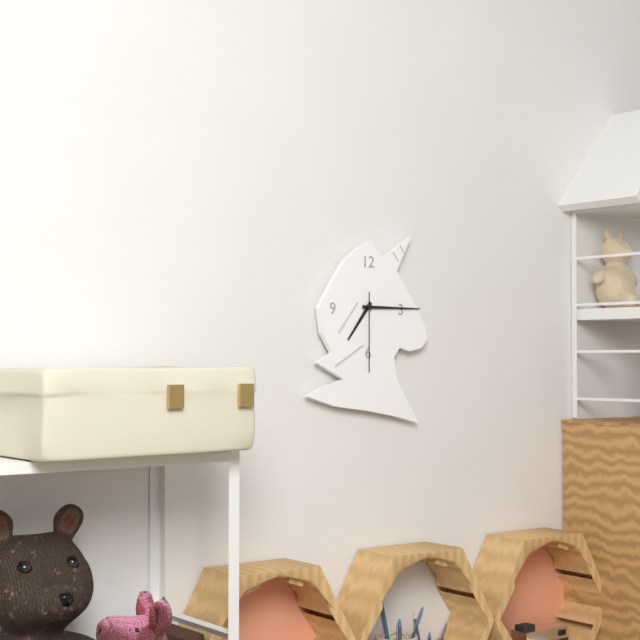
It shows 7.15.30
